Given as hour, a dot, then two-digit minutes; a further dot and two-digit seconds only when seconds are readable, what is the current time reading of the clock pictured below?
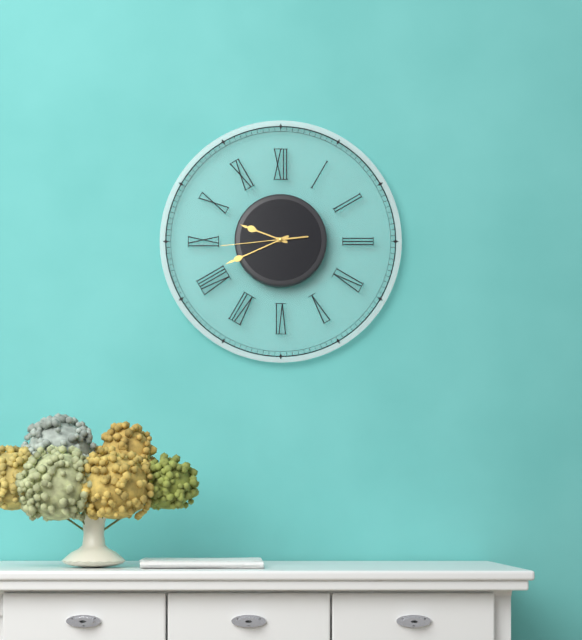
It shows 9.41.44
